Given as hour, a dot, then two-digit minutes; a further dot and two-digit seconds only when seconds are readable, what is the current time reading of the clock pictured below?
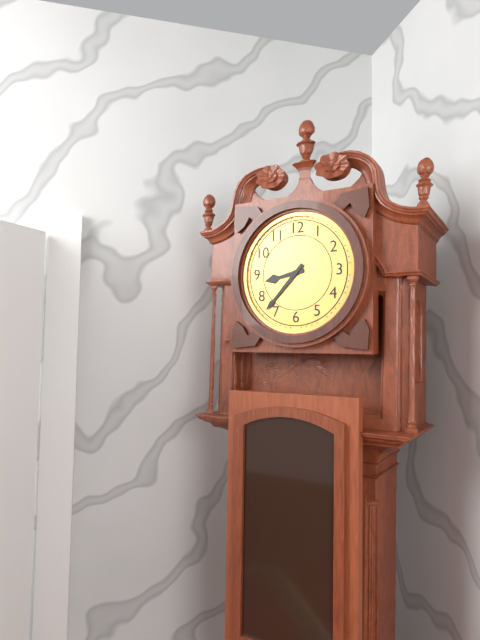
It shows 8.37
